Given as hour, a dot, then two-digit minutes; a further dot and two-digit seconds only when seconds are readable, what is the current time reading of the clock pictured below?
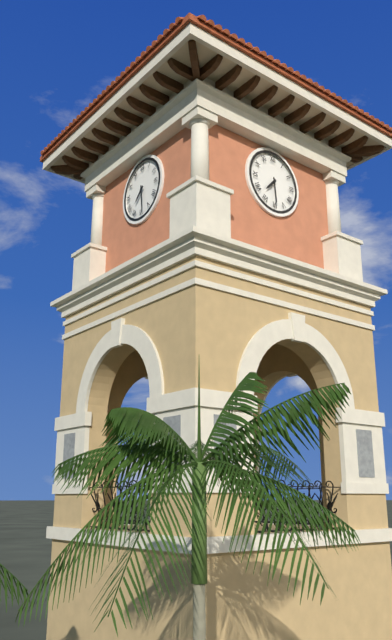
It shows 7.29
